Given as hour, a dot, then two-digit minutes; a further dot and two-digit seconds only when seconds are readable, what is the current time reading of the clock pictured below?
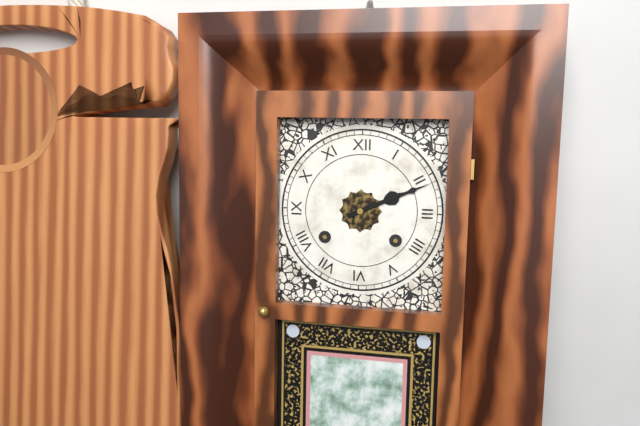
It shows 2.11
